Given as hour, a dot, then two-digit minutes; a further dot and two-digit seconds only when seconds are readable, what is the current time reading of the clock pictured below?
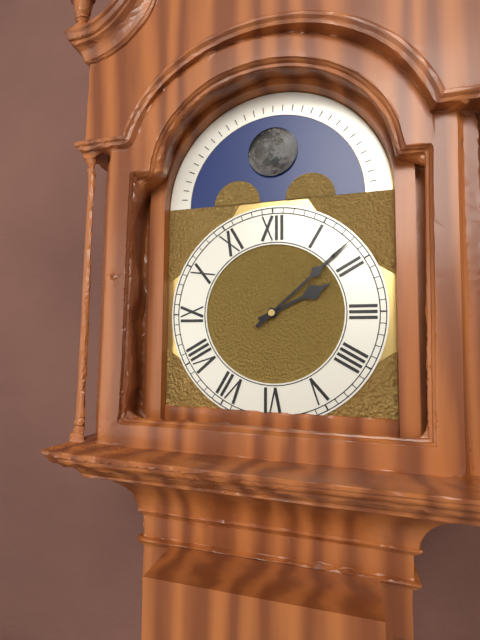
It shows 2.08
